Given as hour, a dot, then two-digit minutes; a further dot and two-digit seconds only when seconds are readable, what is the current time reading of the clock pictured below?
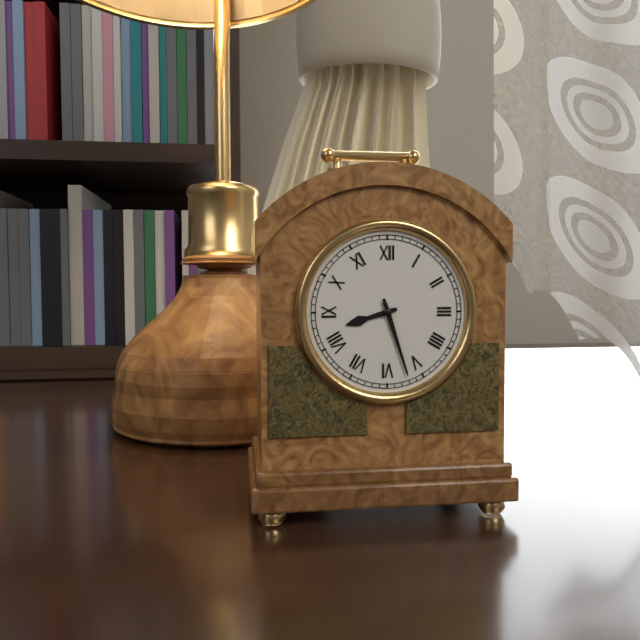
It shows 8.27
